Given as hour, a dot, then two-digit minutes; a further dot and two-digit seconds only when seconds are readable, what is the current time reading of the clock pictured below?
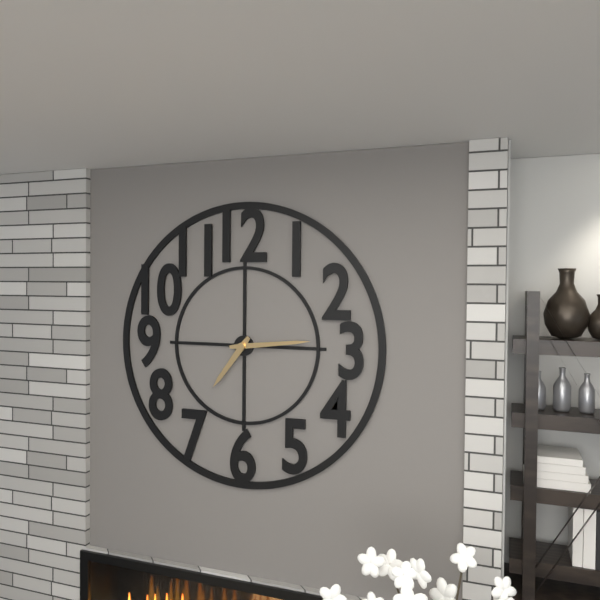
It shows 7.14
